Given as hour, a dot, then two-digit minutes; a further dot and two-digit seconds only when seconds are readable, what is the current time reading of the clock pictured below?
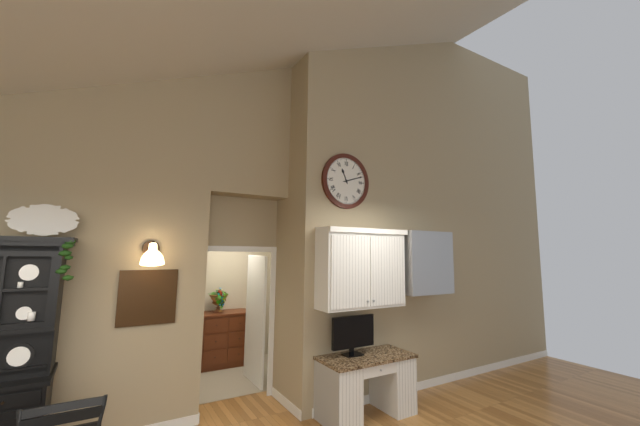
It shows 11.12
